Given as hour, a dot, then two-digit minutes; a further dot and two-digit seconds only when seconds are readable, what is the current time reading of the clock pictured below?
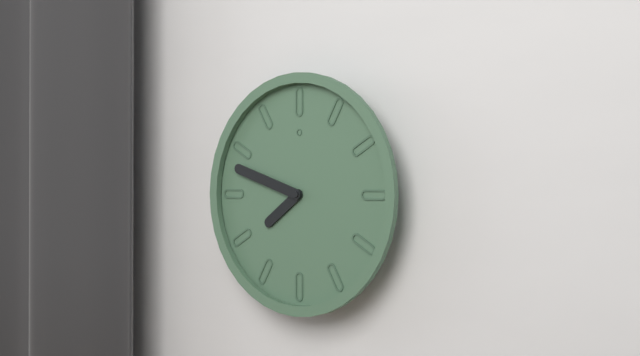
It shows 7.48
